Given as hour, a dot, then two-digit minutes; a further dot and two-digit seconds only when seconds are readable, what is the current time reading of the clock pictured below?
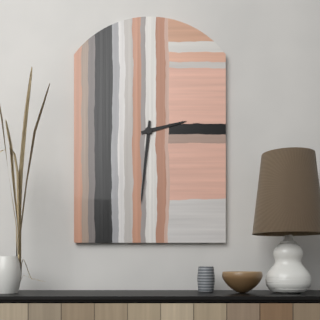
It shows 2.31
